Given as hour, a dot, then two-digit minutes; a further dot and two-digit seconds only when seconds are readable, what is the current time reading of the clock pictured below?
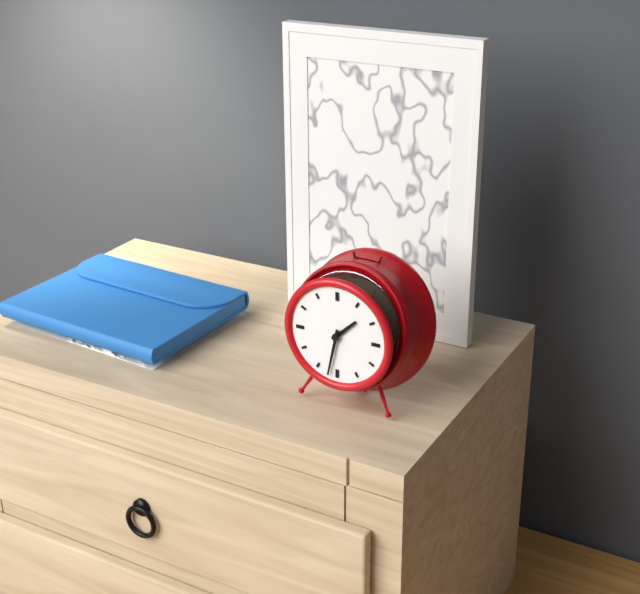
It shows 1.32
